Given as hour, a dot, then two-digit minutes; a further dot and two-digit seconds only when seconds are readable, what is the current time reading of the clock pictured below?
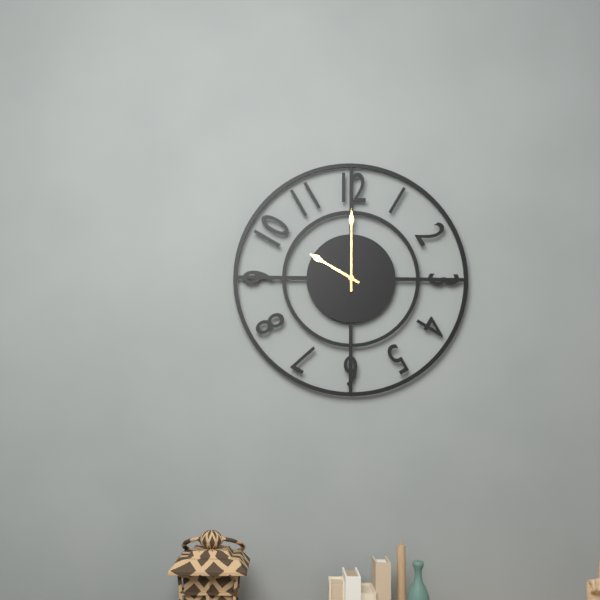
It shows 10.00
